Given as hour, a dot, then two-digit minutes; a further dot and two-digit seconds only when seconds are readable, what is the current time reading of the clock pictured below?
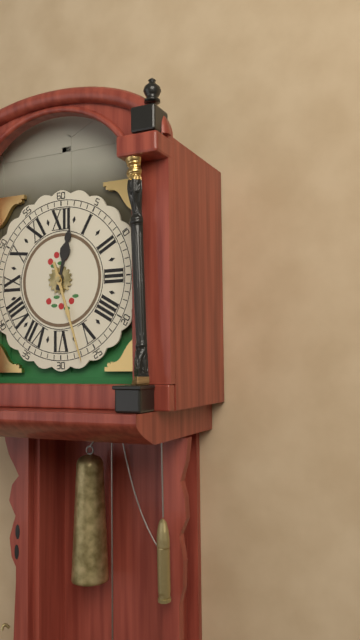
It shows 12.27
